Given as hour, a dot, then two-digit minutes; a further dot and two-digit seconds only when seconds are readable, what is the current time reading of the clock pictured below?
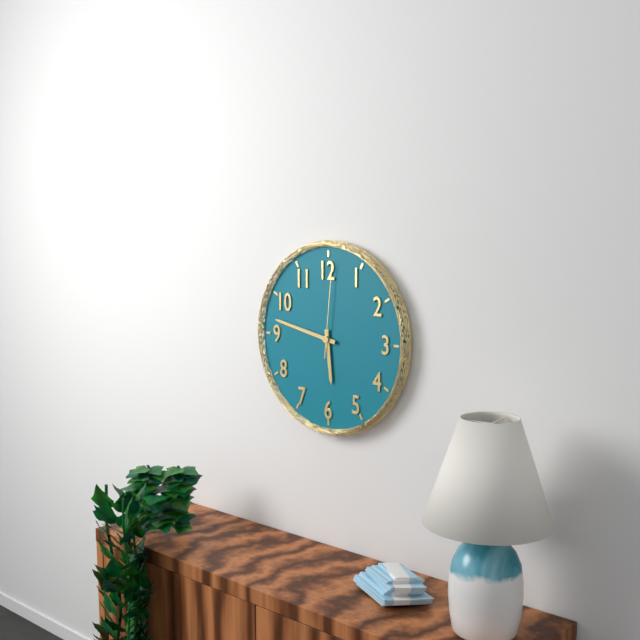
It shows 5.47.01
